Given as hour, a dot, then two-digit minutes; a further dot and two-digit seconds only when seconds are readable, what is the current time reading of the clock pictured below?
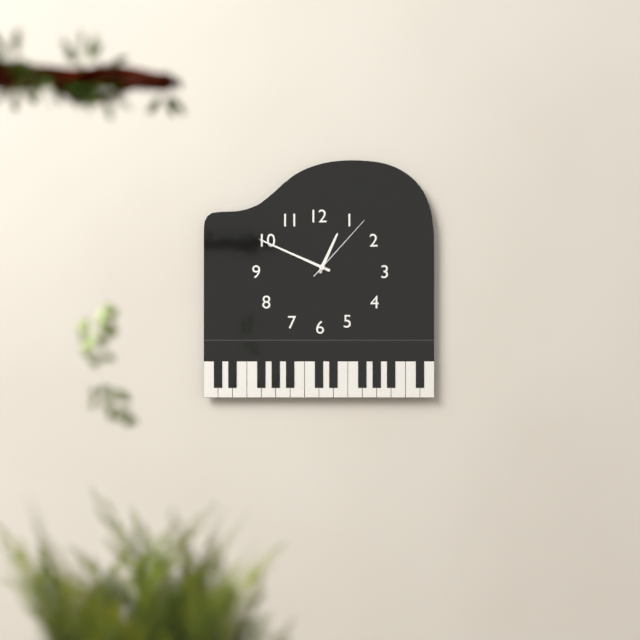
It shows 12.49.07
